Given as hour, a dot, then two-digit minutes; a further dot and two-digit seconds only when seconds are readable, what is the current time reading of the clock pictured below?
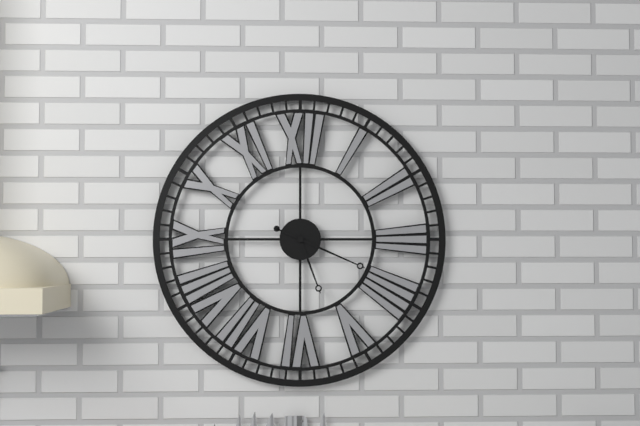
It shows 5.19
